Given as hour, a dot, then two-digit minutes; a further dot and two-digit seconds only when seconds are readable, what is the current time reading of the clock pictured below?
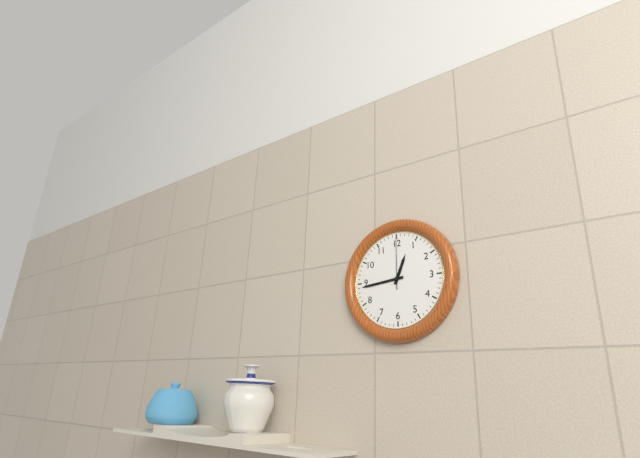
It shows 12.44.00
